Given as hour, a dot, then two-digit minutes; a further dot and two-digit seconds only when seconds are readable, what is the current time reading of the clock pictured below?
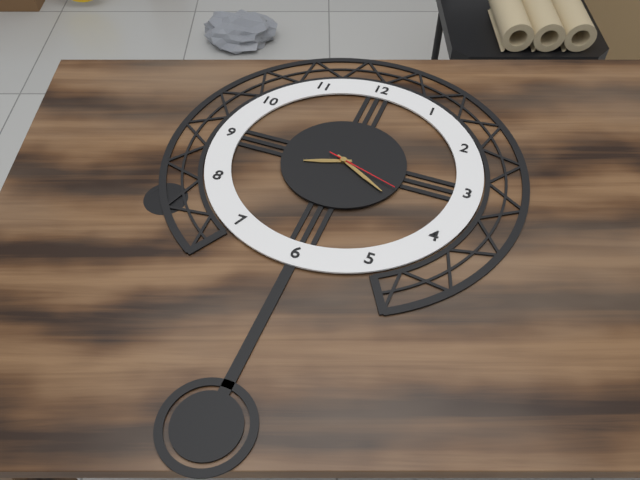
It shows 8.20.18
